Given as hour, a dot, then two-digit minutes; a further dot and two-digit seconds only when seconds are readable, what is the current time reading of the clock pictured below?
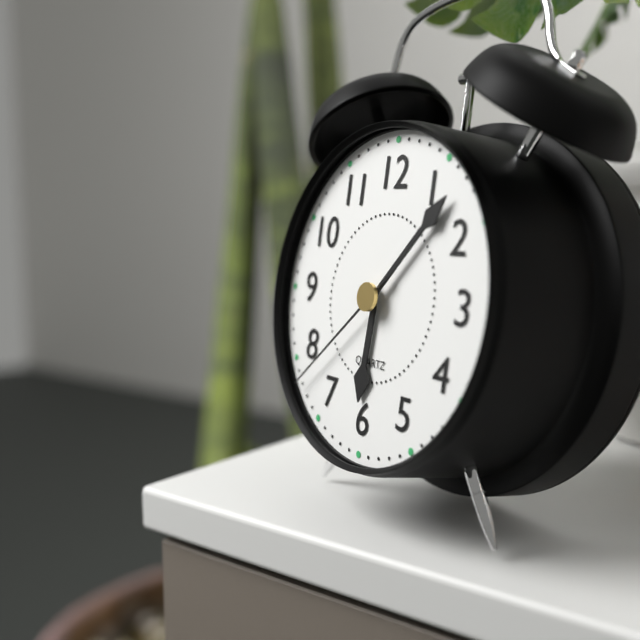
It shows 6.07.38
